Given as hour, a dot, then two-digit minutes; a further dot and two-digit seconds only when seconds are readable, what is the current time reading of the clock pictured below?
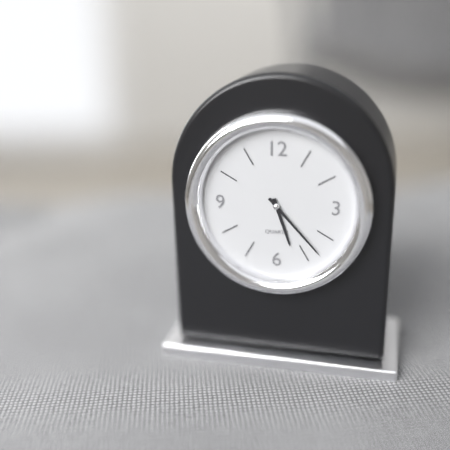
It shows 5.23
